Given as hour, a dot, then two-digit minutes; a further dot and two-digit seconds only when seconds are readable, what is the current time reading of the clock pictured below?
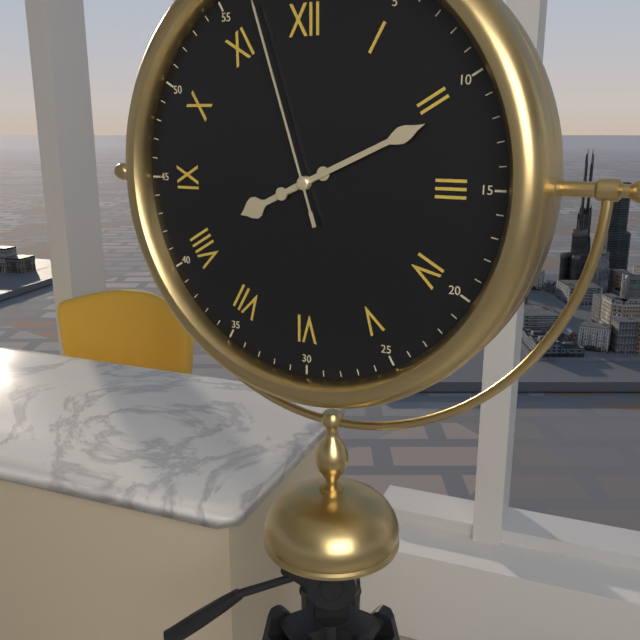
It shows 8.11
